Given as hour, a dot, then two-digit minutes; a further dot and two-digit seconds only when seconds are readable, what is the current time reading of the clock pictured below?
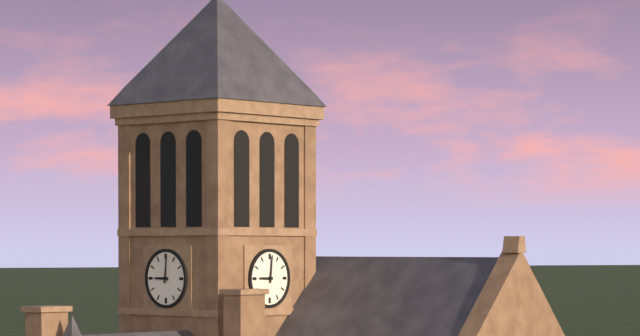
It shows 9.01
